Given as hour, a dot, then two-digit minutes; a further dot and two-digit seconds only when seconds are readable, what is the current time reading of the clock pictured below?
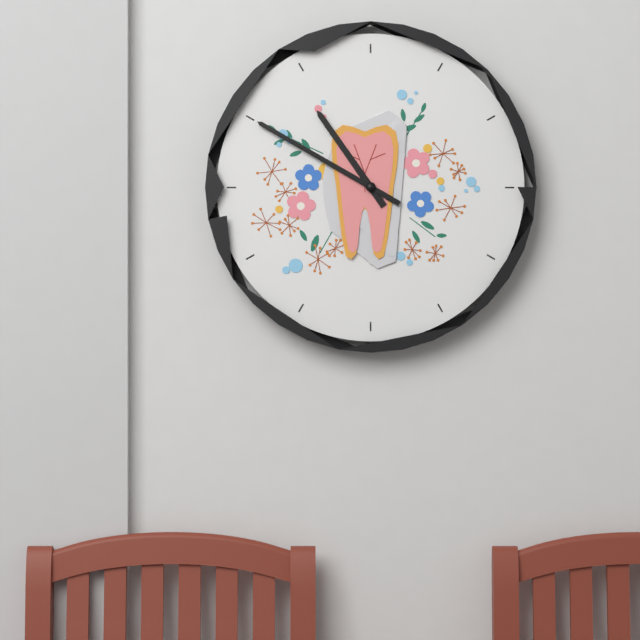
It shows 10.50.50
